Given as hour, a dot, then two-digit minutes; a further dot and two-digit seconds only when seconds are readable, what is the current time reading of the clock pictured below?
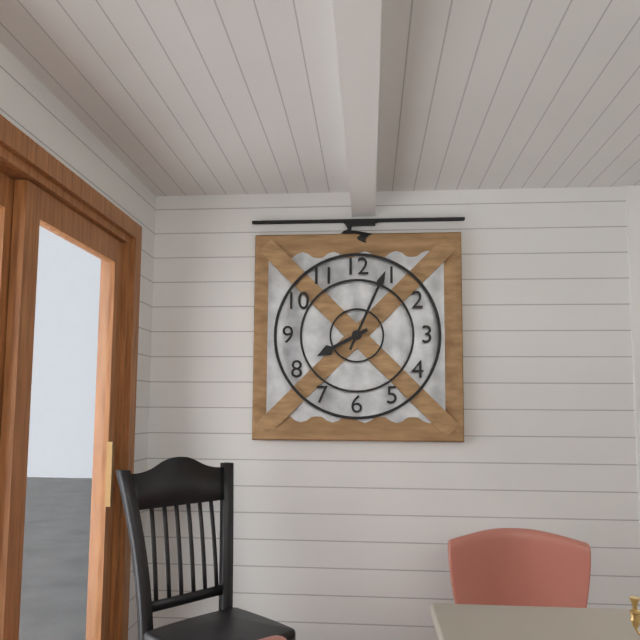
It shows 8.04
